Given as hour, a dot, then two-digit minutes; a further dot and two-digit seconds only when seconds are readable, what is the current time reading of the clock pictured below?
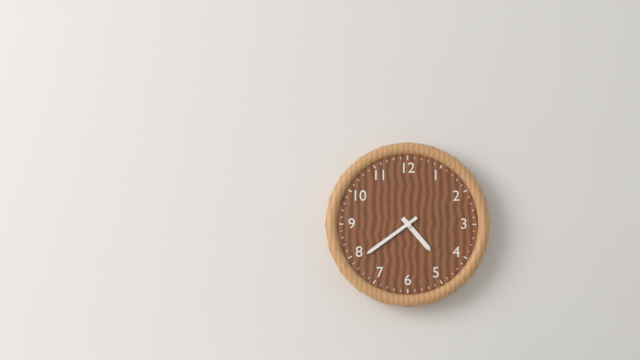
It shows 4.39
